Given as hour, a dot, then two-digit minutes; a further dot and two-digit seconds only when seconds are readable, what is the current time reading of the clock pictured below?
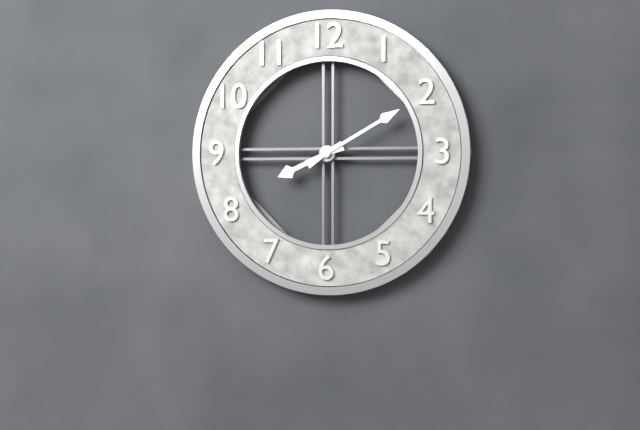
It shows 8.10
